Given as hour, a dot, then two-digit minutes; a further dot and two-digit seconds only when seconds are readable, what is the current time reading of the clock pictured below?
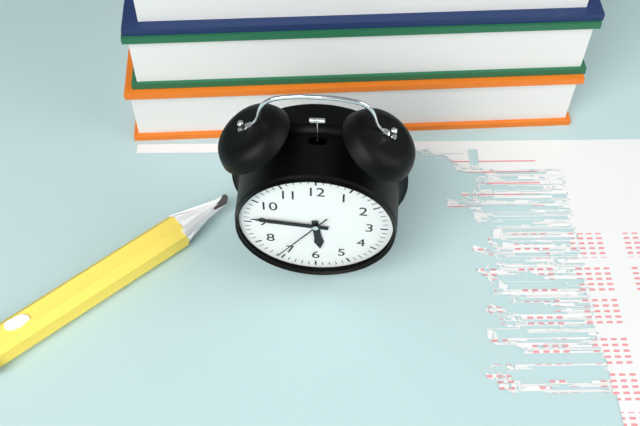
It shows 5.46.36
